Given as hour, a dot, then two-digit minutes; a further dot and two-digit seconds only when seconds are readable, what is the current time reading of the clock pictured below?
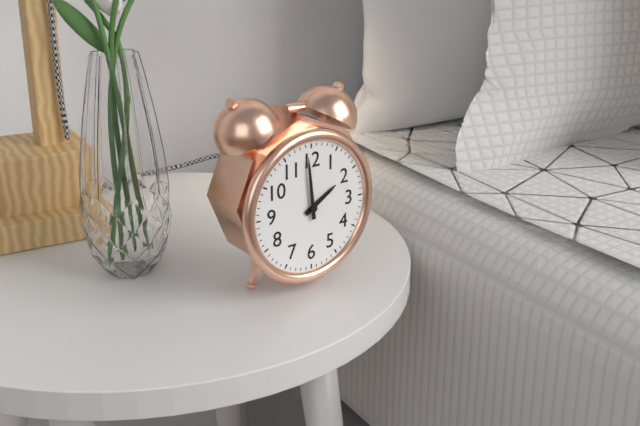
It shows 1.59
